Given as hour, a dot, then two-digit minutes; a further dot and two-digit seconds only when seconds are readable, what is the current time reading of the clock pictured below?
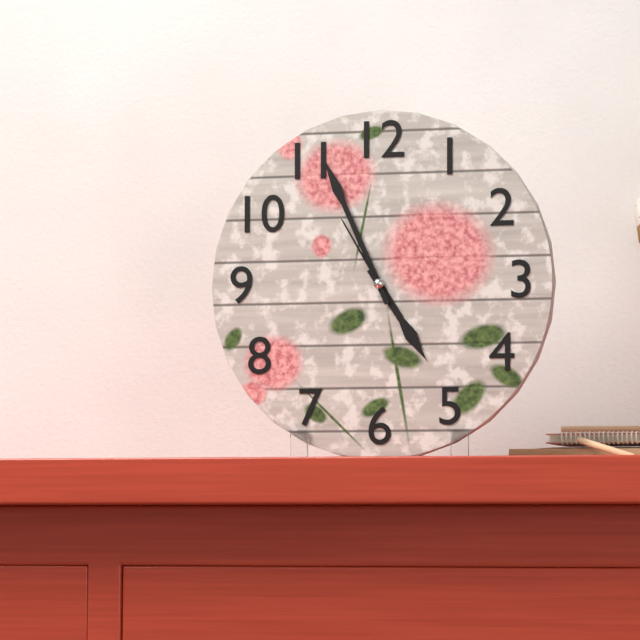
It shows 4.56.55
